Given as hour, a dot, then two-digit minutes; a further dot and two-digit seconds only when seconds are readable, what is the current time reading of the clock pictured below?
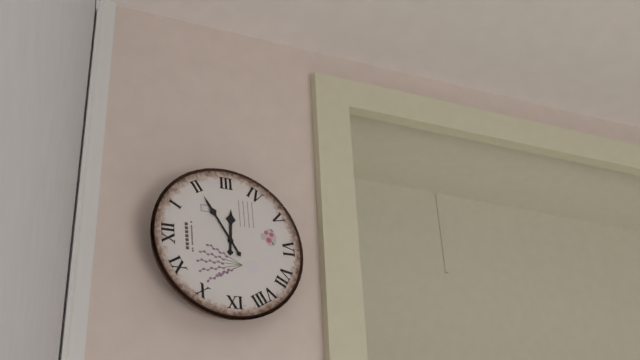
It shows 3.10
